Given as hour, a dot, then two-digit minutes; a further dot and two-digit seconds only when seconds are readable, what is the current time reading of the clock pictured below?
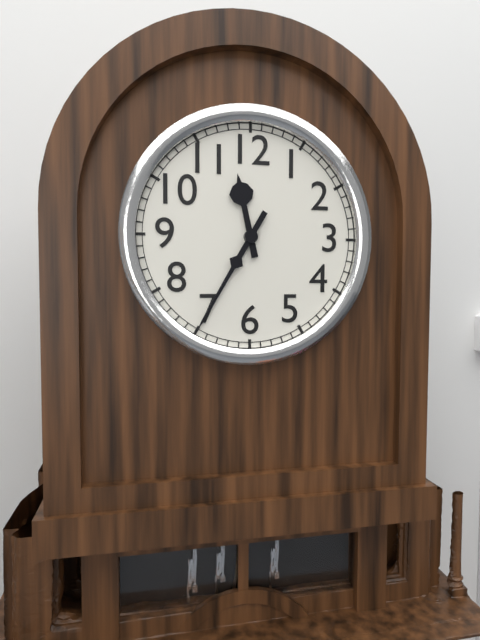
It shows 11.35
